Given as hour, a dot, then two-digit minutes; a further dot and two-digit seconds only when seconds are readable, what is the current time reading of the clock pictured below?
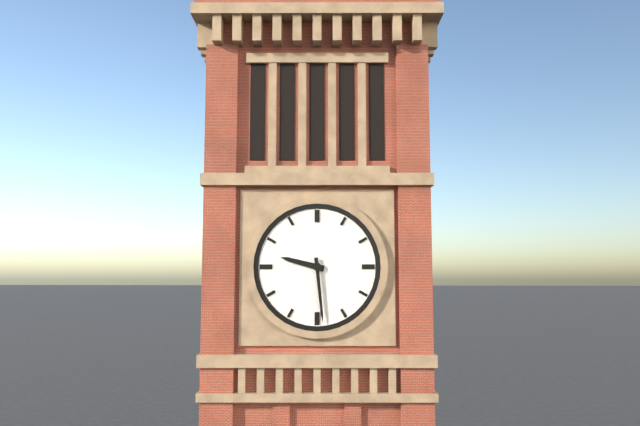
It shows 9.29
